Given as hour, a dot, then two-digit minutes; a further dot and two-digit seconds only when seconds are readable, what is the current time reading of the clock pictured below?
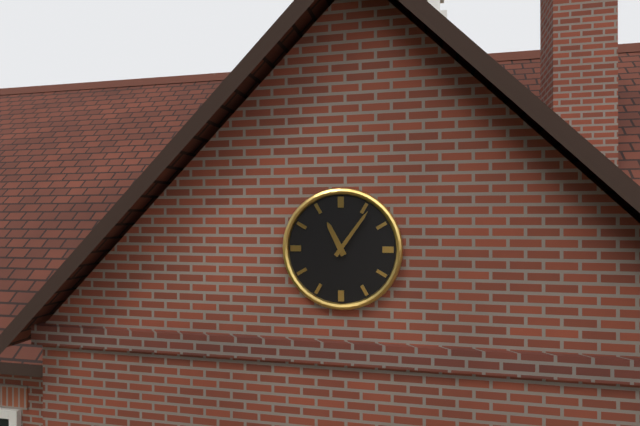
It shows 11.06
